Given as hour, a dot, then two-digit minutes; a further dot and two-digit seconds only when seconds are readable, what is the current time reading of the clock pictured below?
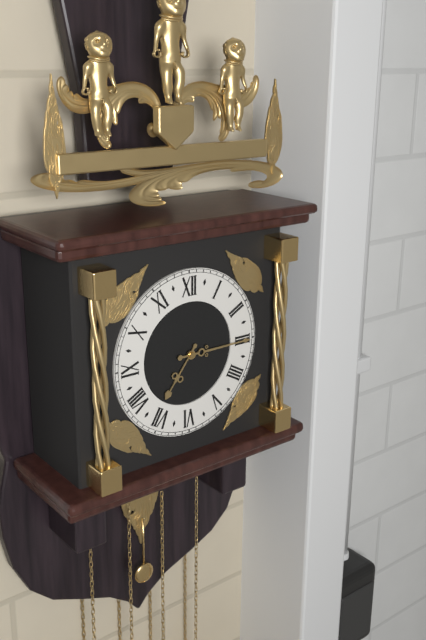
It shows 7.15
